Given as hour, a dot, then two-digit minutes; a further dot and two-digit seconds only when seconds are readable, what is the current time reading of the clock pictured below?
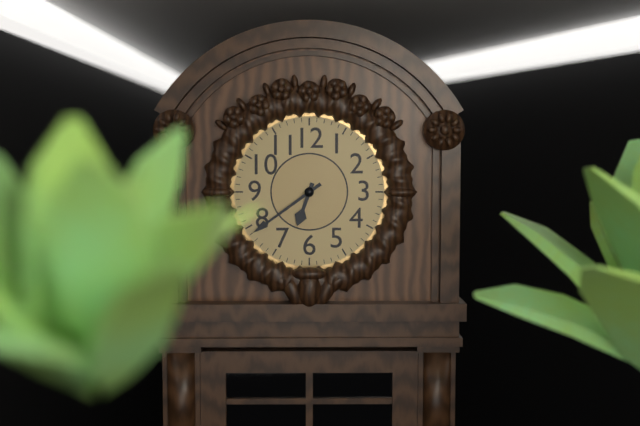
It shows 6.39
